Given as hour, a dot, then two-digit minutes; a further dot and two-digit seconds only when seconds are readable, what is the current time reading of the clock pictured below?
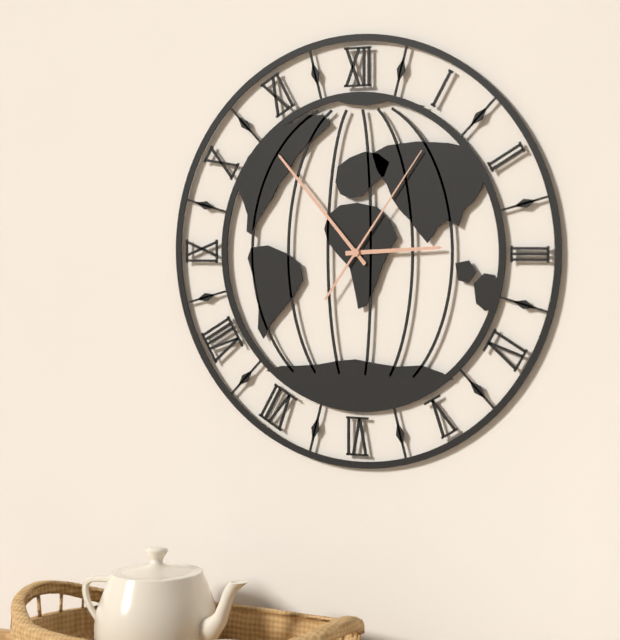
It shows 2.53.06
